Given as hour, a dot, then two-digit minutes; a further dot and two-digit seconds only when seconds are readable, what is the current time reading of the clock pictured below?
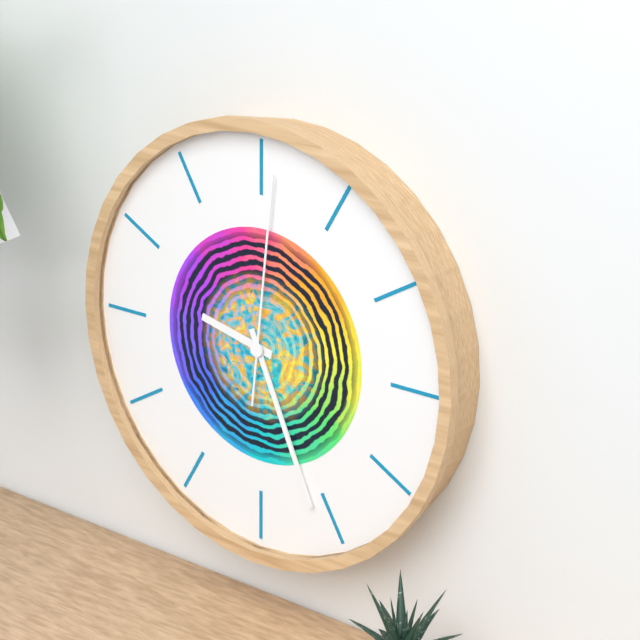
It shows 9.26.01
